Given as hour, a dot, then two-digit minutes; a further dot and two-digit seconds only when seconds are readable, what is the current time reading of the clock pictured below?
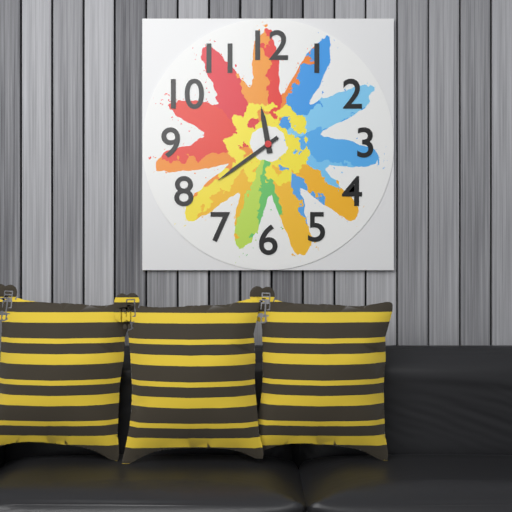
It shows 11.39
